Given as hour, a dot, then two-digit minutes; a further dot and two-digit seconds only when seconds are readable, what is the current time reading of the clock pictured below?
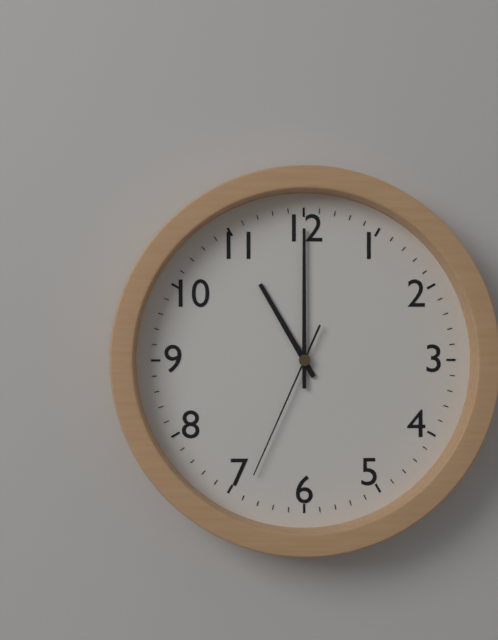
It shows 11.00.34
